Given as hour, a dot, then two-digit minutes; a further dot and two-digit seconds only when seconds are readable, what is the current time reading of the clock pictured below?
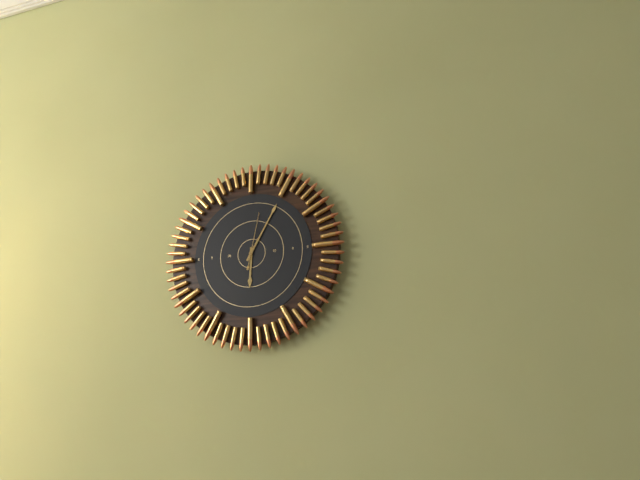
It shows 6.05.02
